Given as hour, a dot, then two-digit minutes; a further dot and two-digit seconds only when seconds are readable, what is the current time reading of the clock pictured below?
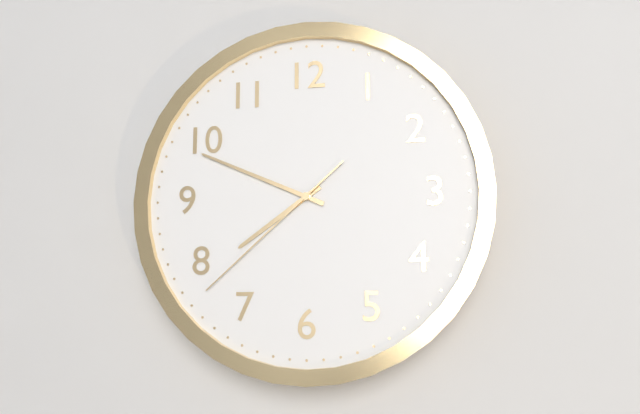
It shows 7.49.38
